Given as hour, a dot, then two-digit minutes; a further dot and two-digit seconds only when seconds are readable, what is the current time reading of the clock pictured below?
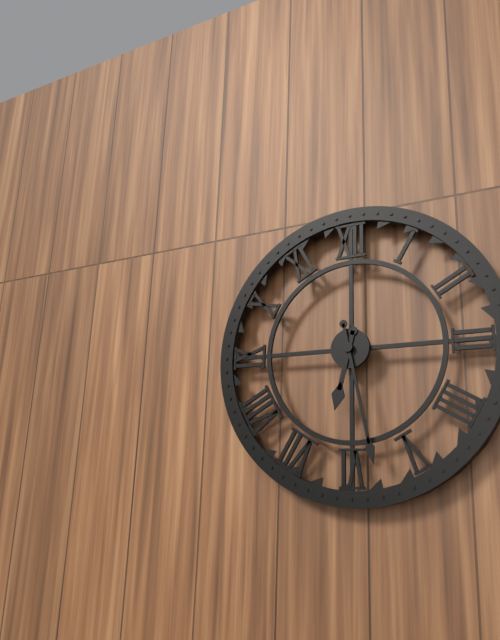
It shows 6.28
